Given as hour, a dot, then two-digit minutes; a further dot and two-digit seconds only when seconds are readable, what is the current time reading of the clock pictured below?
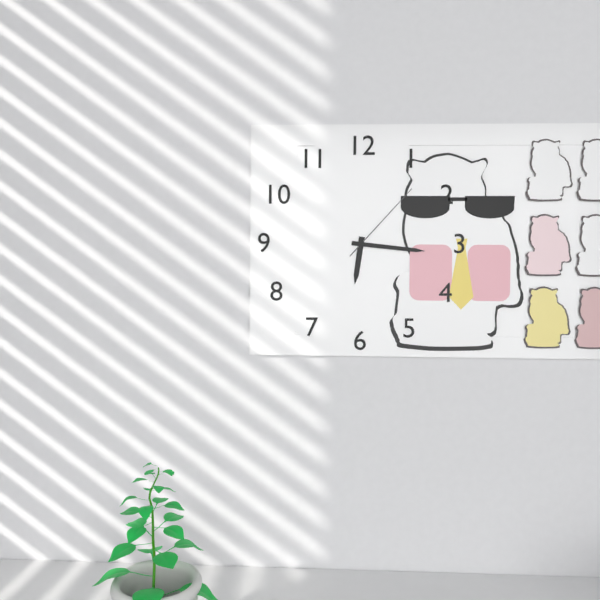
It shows 6.16.07
